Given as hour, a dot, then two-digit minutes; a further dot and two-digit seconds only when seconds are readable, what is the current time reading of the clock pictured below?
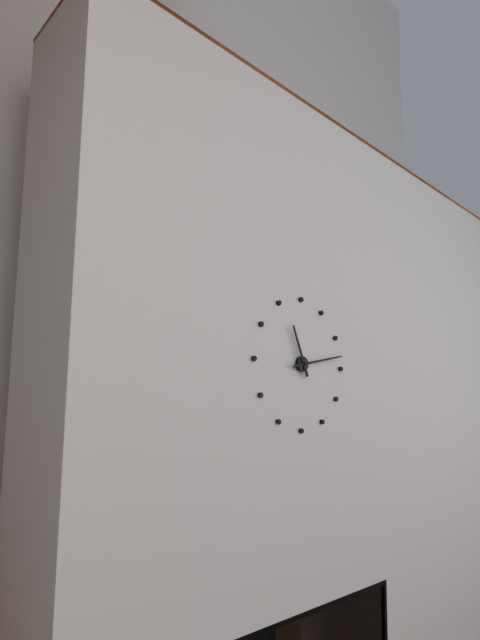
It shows 11.13
